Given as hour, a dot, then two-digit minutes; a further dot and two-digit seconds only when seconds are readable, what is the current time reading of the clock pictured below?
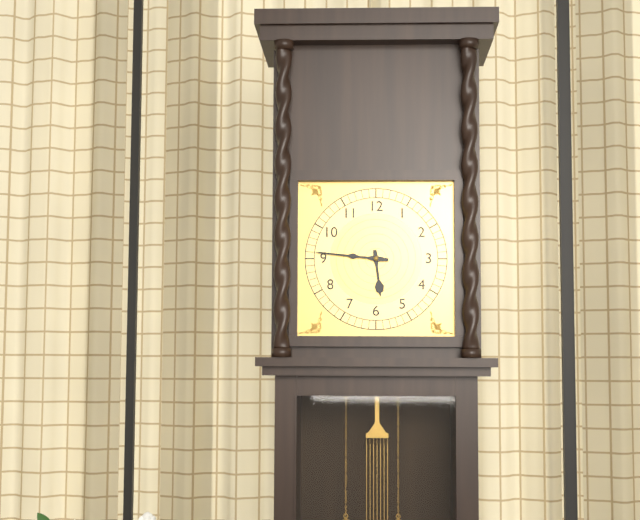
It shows 5.46
